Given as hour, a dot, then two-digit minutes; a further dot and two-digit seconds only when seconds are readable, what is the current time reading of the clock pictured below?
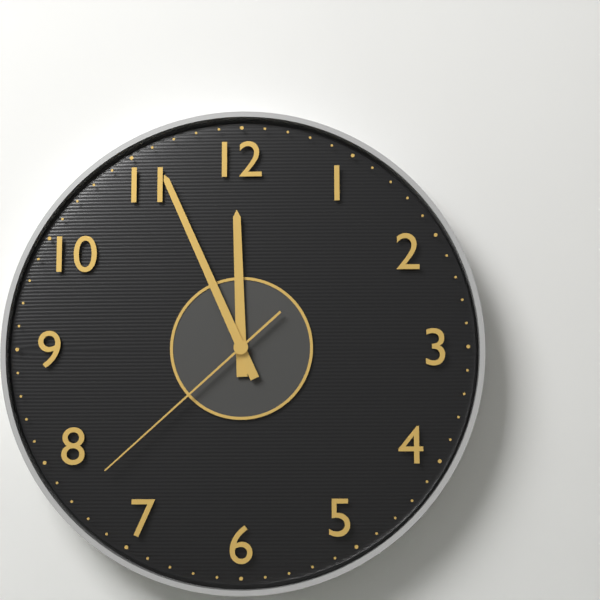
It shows 11.56.38
